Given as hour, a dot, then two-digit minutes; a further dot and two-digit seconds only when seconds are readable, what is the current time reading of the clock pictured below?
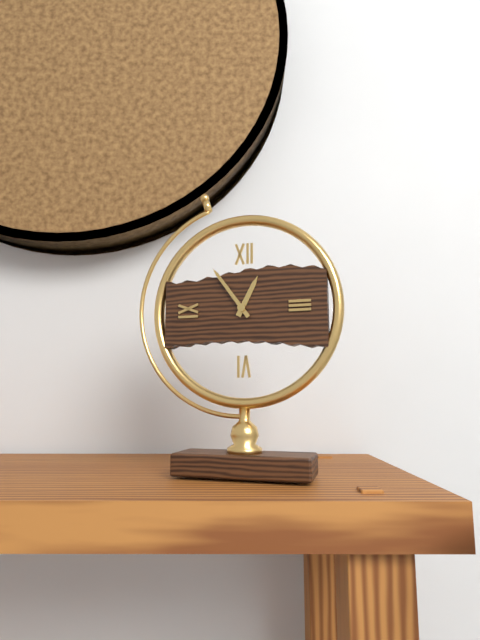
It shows 12.54
